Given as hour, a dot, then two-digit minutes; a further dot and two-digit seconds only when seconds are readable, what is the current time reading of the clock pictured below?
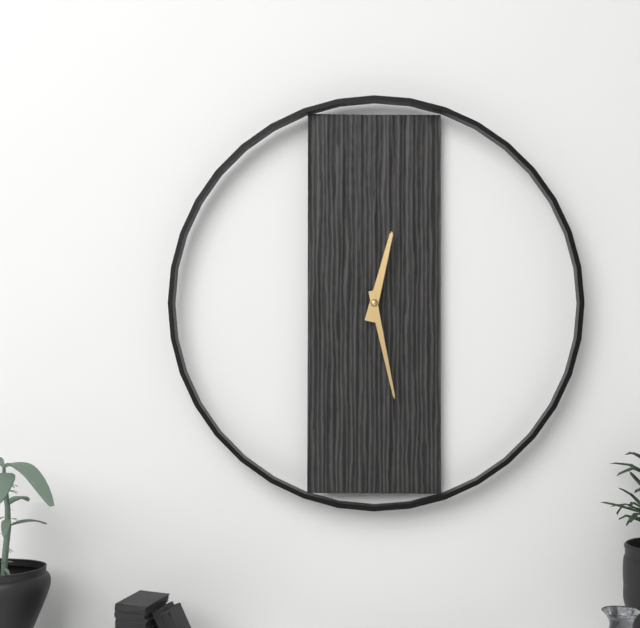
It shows 12.28
